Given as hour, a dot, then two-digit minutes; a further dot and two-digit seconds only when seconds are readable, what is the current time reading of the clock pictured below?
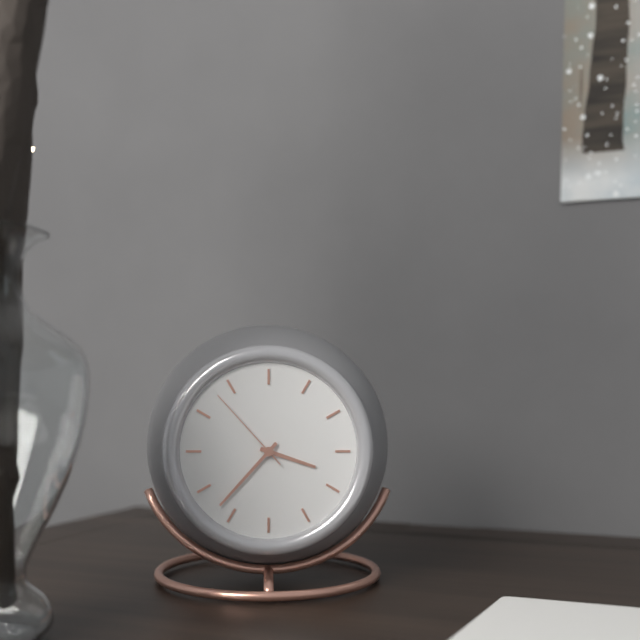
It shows 3.37.53
